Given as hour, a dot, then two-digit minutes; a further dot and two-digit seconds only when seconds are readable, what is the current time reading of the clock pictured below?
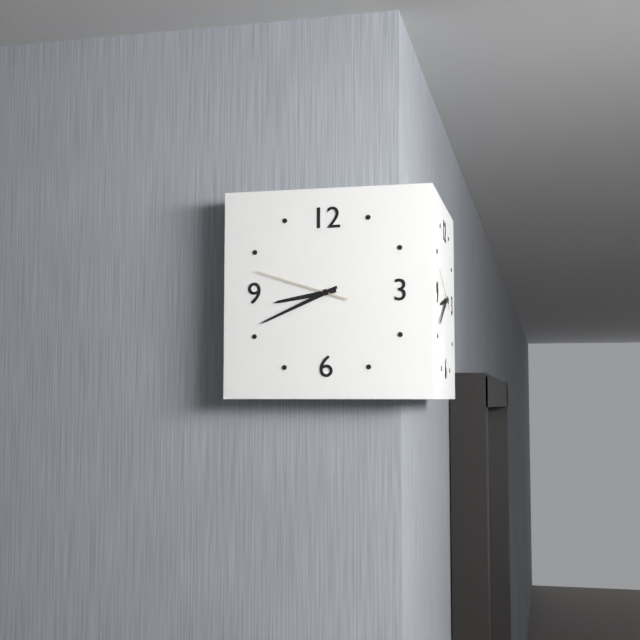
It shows 8.41.48
